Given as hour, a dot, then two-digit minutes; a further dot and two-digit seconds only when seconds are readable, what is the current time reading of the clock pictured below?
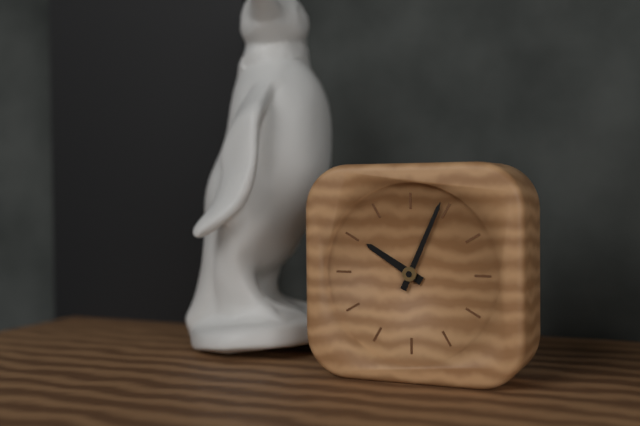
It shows 10.04
